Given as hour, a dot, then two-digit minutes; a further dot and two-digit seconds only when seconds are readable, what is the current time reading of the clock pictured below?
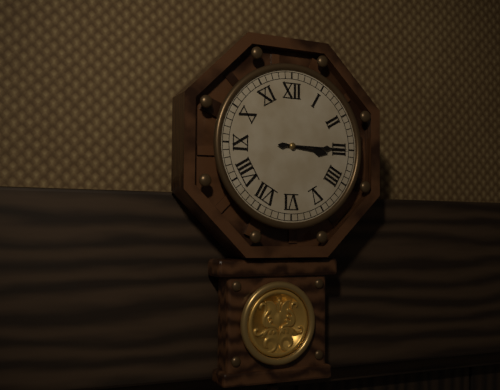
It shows 3.15
